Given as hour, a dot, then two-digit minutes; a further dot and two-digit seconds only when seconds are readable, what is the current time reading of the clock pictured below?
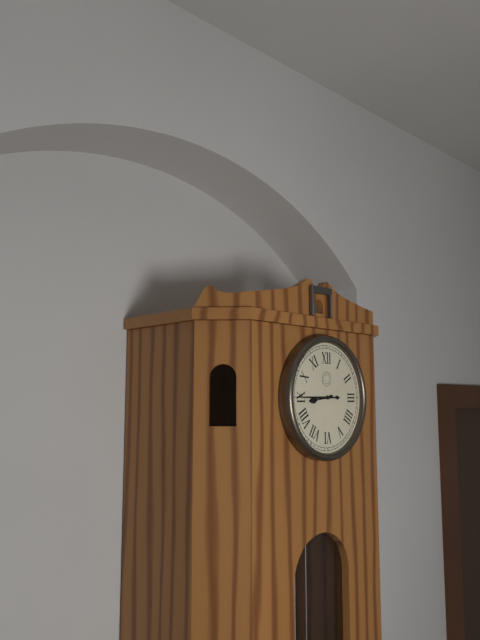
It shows 8.45
